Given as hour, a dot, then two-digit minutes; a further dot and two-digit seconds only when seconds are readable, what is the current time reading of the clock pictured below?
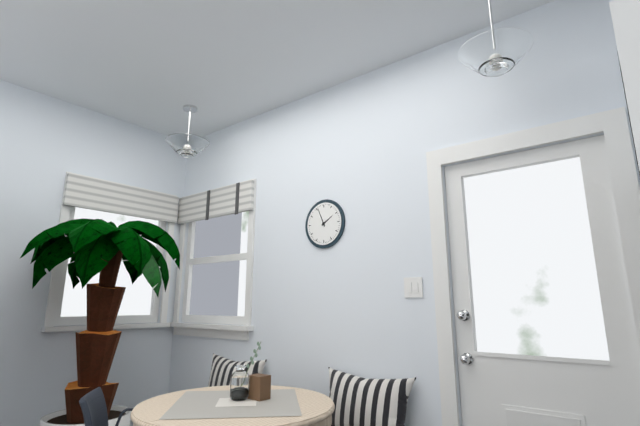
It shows 1.56
